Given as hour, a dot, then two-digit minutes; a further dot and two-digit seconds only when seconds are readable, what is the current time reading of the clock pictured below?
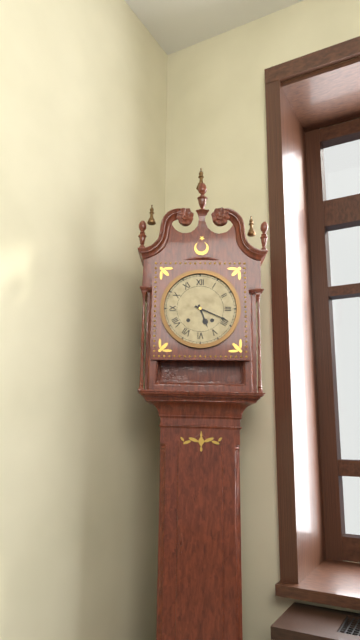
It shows 5.19
